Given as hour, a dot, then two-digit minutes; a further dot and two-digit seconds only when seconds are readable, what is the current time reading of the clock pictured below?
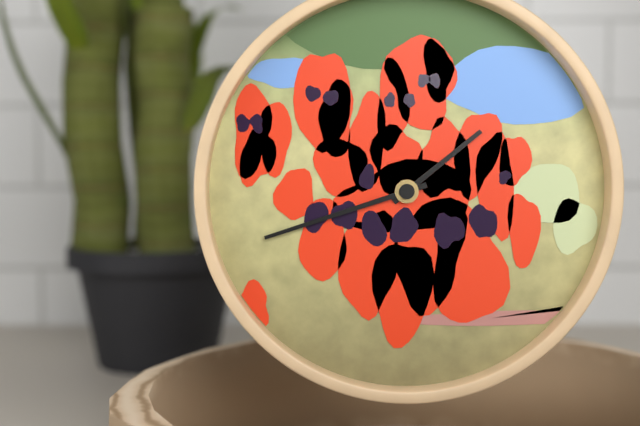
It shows 1.42
